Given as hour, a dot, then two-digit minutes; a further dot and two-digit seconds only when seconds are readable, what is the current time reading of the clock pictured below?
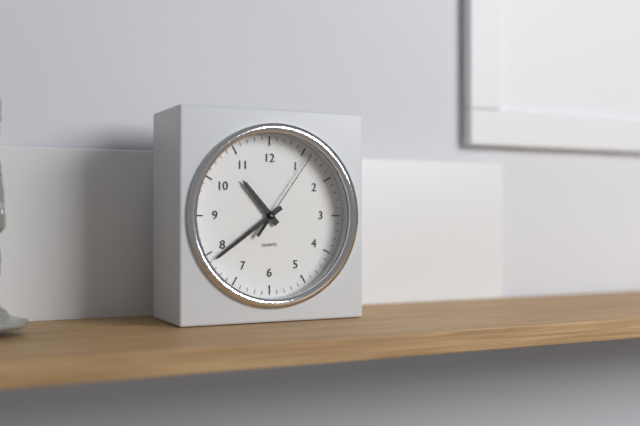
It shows 10.39.06
